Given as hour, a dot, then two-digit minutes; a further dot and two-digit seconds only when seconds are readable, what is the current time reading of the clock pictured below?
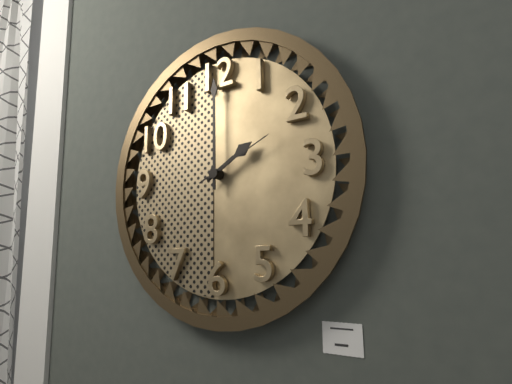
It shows 2.00.11
